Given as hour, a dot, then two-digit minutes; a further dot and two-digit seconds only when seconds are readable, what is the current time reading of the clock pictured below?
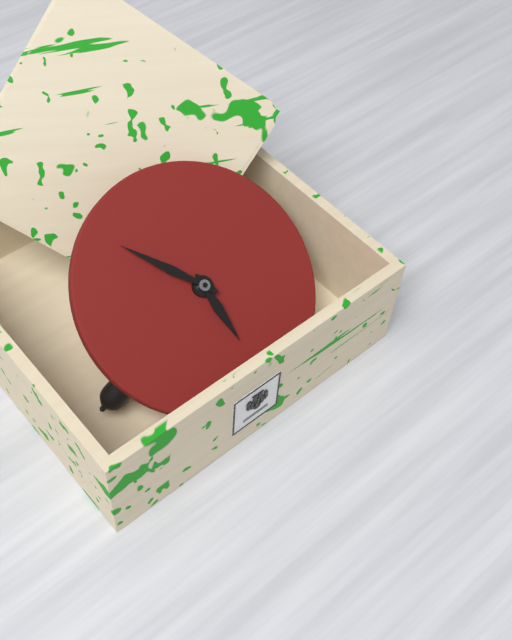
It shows 5.54
